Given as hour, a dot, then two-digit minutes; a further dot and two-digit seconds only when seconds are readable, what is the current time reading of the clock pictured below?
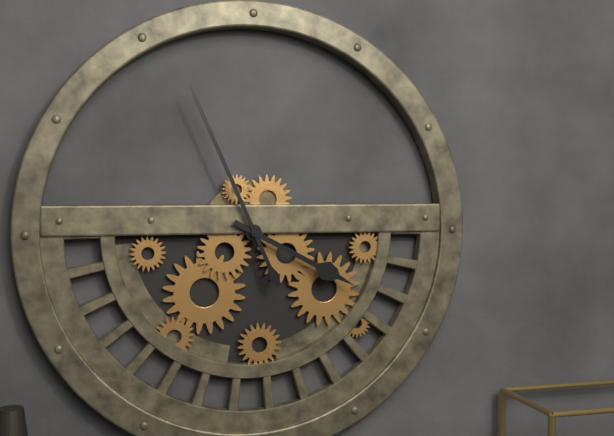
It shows 3.56
